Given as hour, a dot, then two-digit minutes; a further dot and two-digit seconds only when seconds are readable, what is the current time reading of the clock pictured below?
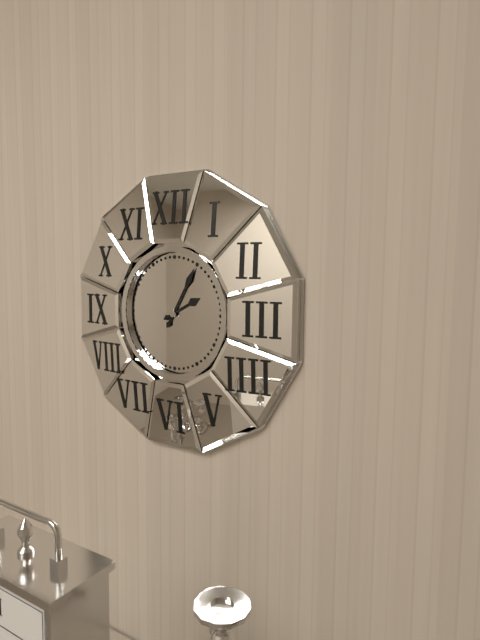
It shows 2.05
